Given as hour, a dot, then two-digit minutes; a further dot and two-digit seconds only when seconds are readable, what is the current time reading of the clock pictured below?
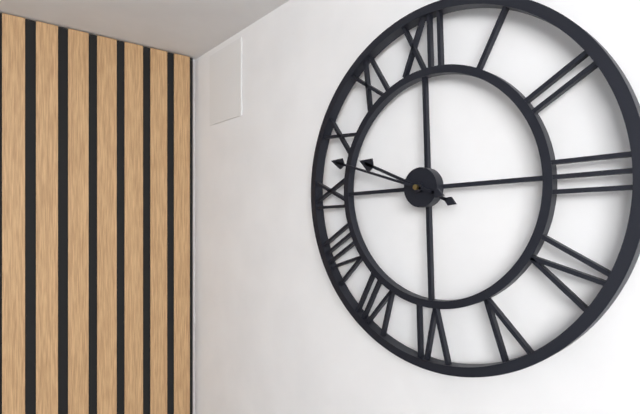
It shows 9.48
